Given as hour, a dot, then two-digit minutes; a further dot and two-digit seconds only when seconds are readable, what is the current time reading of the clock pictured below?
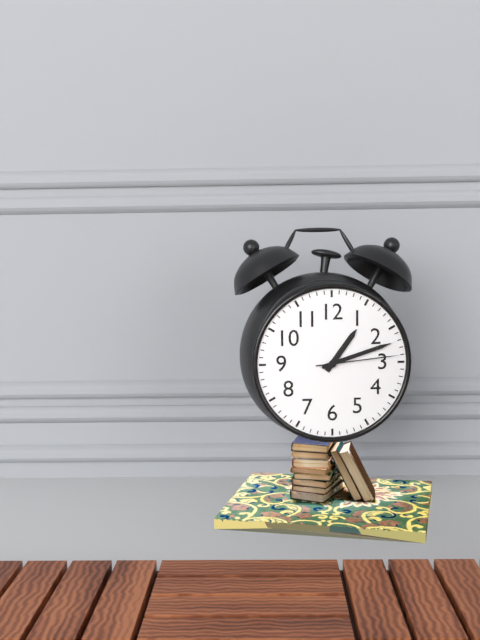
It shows 1.12.14
